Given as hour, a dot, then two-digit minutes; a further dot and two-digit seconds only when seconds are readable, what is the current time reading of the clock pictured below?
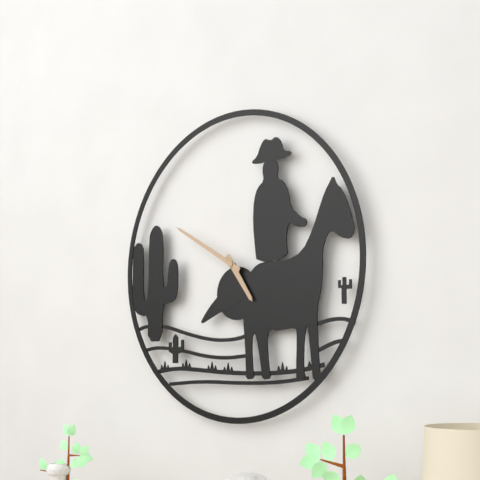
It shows 4.50
